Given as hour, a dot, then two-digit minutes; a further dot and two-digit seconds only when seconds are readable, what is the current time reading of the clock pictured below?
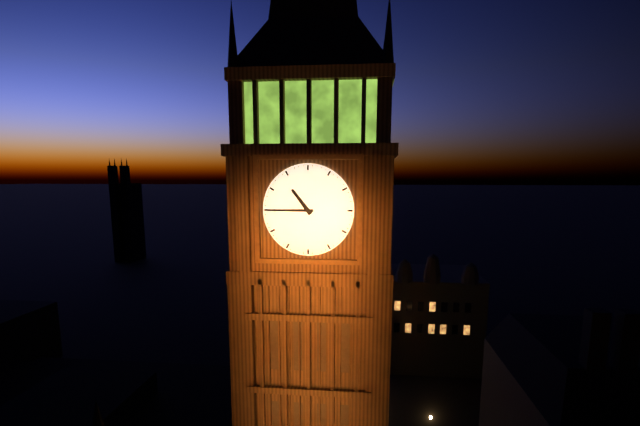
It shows 10.45
